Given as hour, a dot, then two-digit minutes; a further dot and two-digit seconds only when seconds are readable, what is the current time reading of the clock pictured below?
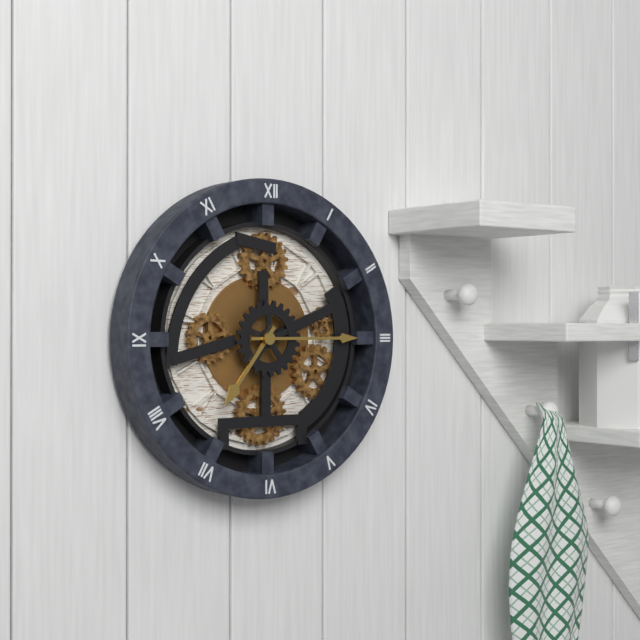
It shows 7.15
